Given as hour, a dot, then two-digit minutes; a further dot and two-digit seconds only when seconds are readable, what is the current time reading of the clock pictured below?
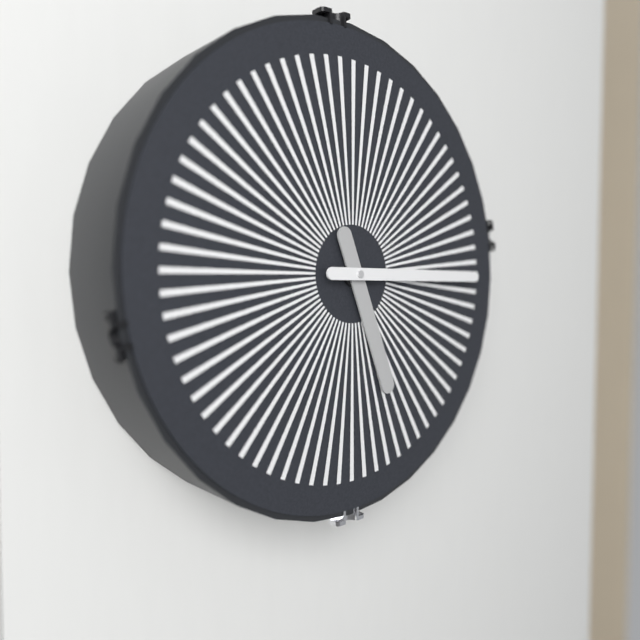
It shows 5.15
